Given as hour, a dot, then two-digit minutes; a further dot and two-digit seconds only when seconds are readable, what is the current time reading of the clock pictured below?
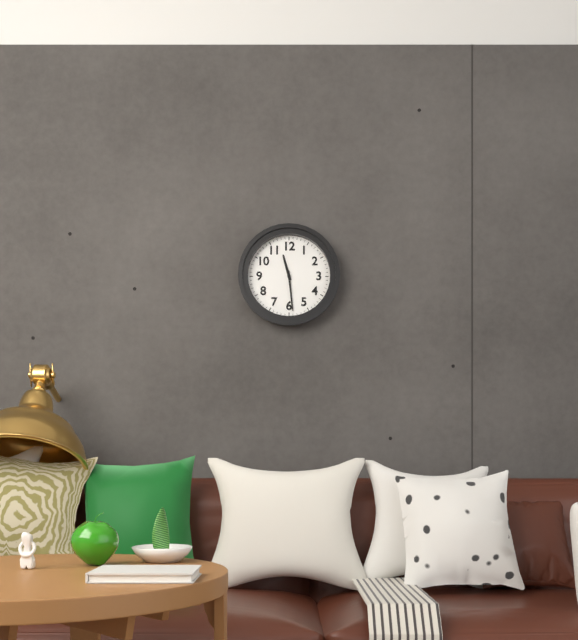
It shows 11.29
